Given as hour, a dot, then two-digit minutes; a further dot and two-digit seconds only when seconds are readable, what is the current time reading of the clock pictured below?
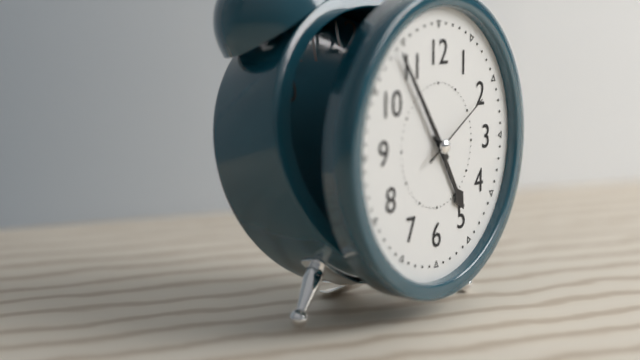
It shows 4.54.10
